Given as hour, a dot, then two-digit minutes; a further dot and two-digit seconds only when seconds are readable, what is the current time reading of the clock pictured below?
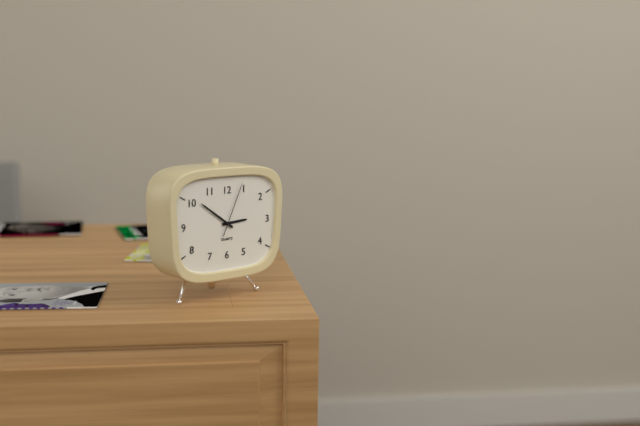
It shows 2.51.04
